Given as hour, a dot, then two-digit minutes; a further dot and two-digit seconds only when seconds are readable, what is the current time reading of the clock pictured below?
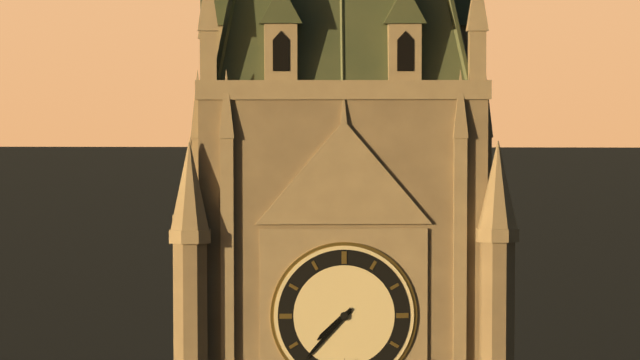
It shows 7.37
